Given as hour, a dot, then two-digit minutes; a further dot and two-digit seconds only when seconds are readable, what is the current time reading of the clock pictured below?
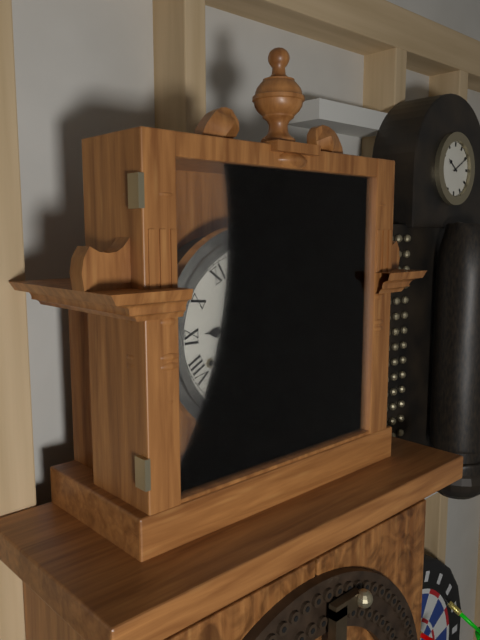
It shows 9.03
